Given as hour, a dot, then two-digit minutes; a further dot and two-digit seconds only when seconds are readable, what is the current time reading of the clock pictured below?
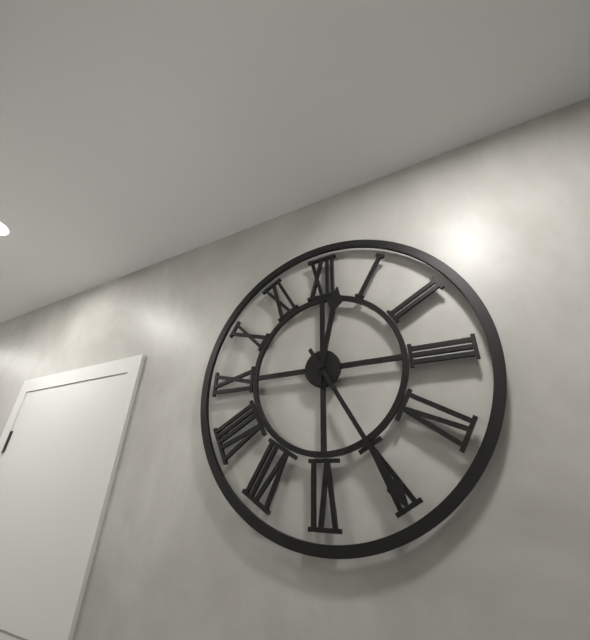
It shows 12.25
